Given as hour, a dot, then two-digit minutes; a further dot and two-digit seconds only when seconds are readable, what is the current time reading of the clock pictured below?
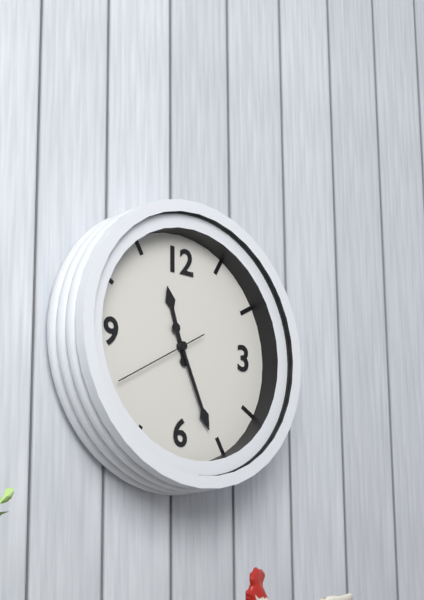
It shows 11.26.40
